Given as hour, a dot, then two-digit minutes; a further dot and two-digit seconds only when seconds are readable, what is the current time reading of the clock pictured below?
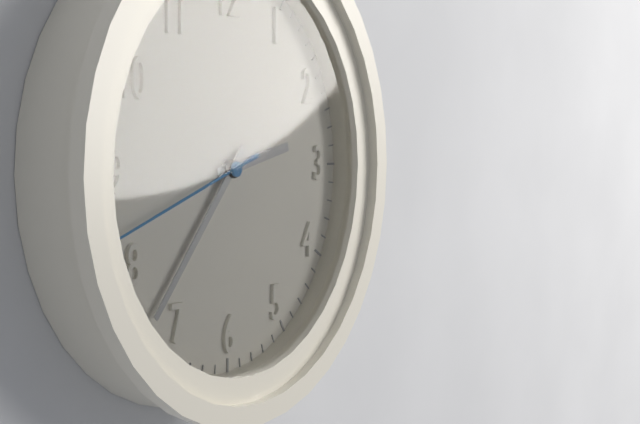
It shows 2.37.42
